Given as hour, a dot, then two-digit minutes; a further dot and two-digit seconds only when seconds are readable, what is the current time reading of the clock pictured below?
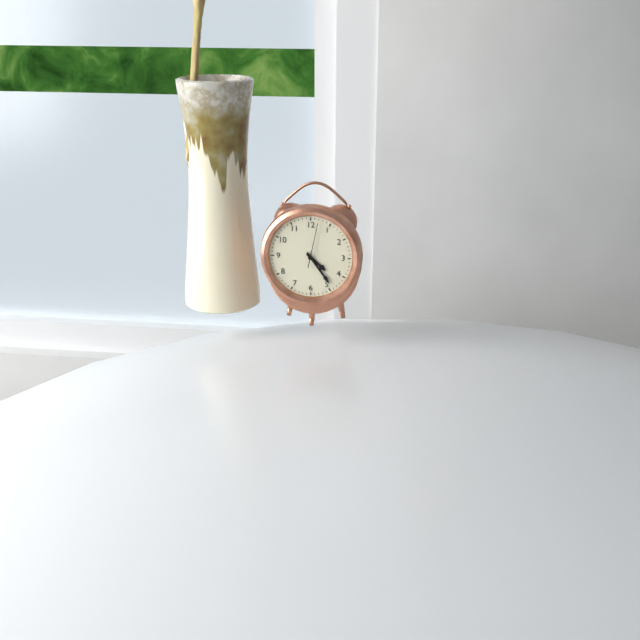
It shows 4.24
